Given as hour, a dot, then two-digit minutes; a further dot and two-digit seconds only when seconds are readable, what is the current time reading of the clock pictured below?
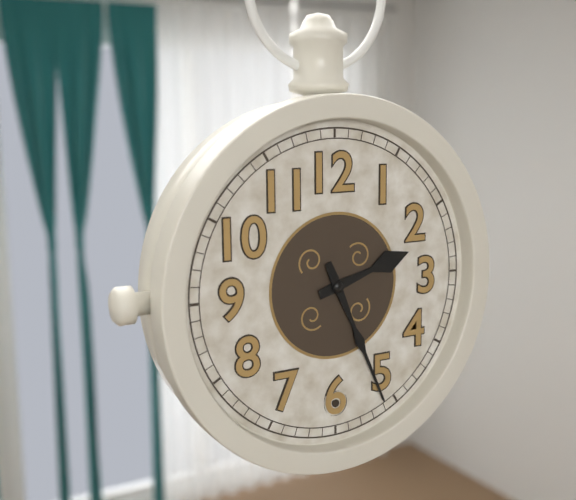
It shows 2.26
